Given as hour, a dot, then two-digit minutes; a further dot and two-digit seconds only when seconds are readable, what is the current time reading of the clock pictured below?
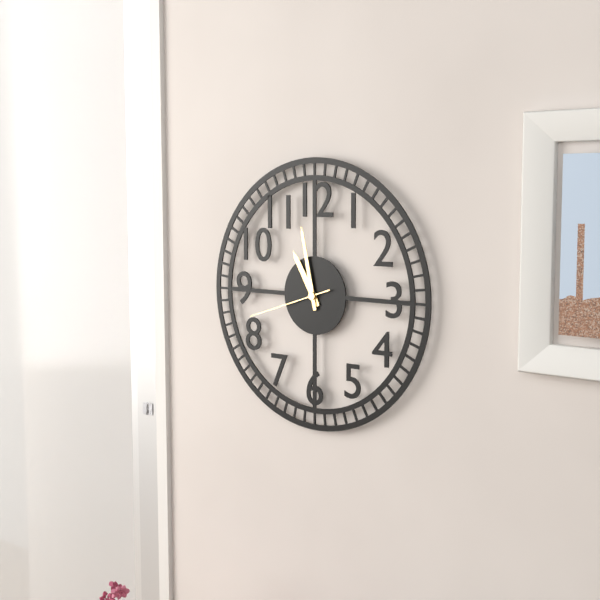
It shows 10.58.42
